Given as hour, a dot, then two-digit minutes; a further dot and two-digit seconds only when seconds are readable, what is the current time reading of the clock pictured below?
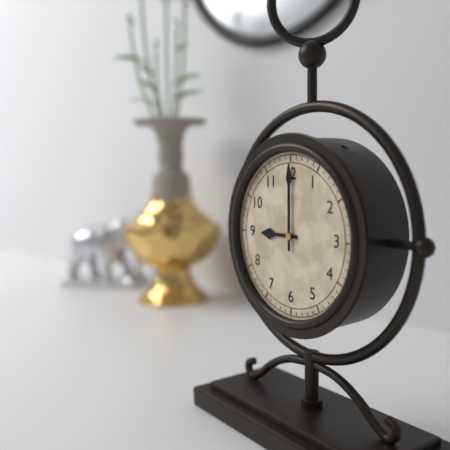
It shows 9.00
